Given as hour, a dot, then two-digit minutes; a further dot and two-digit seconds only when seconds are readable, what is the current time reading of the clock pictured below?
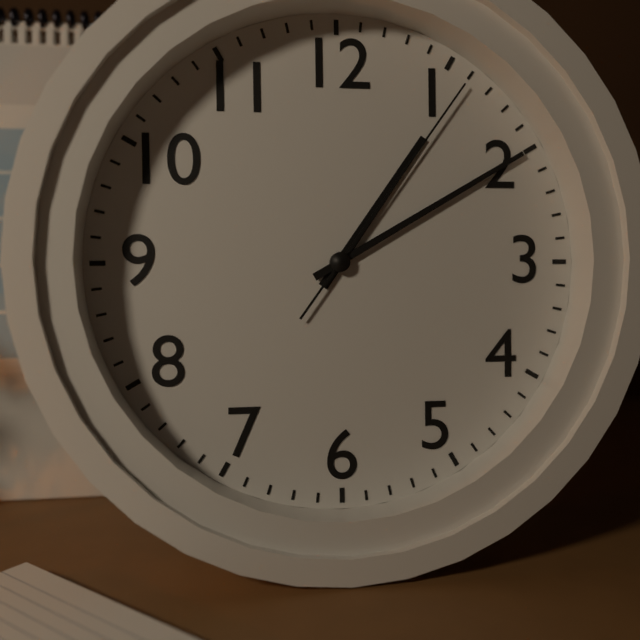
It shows 1.10.06
